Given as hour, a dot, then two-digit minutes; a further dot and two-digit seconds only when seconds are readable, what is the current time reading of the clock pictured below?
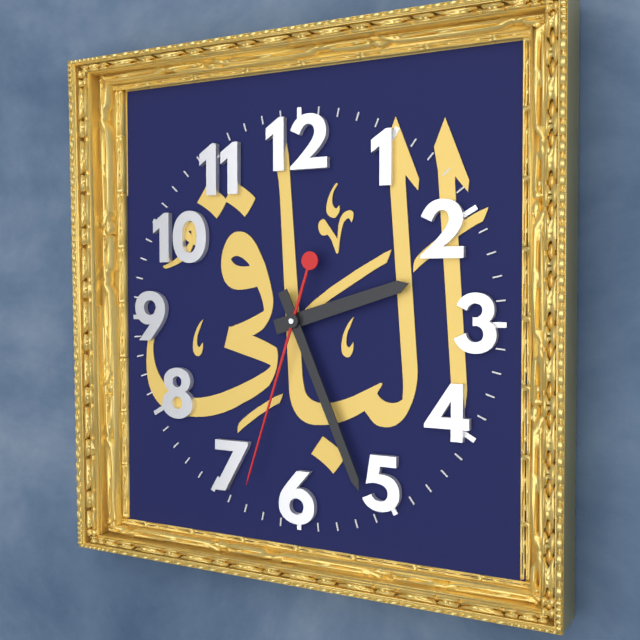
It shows 2.26.33
